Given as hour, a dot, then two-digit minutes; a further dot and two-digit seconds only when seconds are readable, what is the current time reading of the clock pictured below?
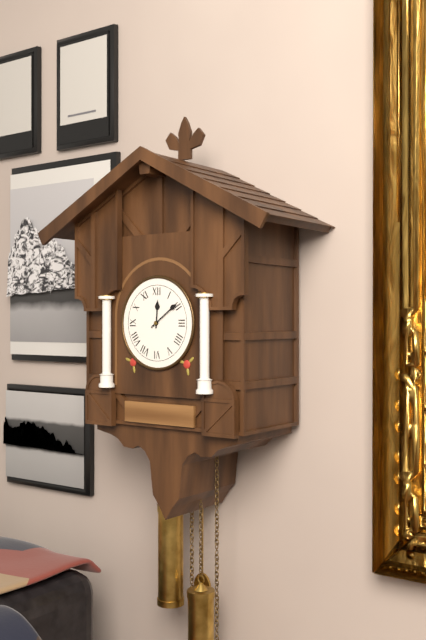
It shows 12.09
